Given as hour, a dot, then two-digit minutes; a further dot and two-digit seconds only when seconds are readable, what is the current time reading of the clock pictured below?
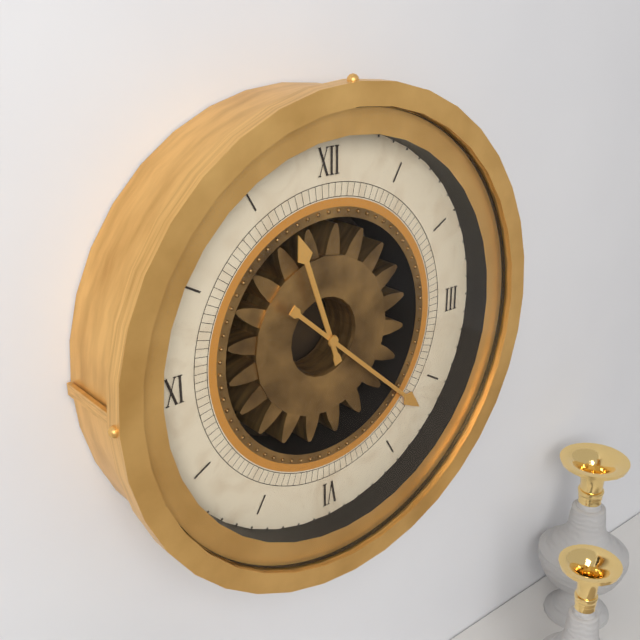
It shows 11.22
